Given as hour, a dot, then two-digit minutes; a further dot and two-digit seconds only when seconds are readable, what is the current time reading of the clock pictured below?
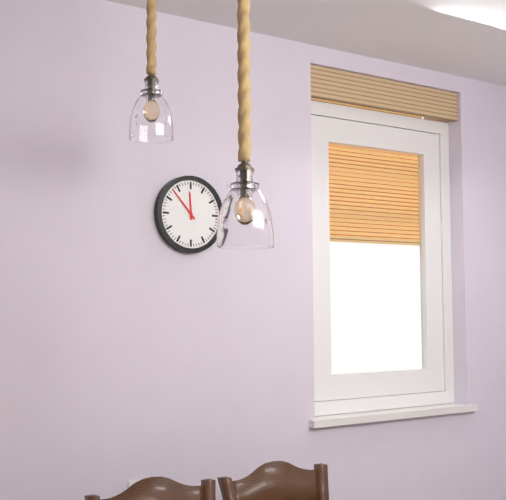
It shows 11.53
